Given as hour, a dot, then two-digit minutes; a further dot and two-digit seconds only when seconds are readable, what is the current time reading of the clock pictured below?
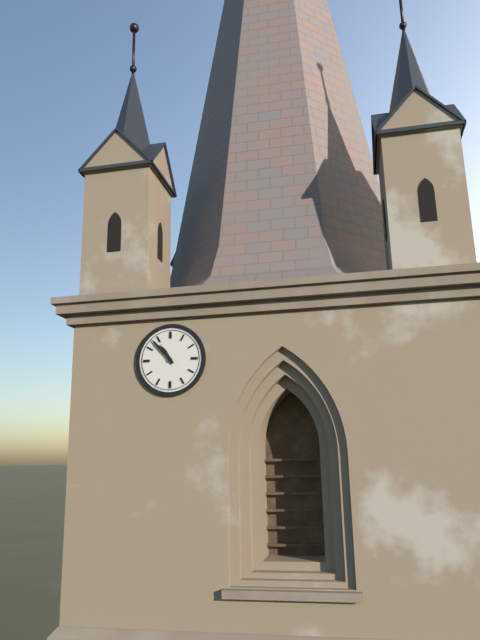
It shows 10.53
